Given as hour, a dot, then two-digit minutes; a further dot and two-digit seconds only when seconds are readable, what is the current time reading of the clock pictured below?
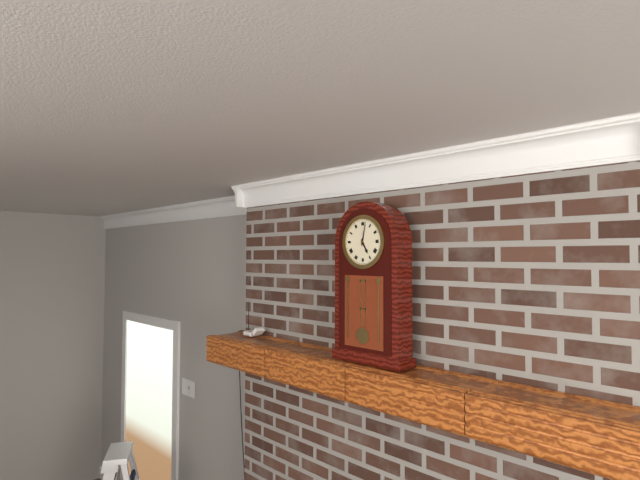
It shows 5.02
